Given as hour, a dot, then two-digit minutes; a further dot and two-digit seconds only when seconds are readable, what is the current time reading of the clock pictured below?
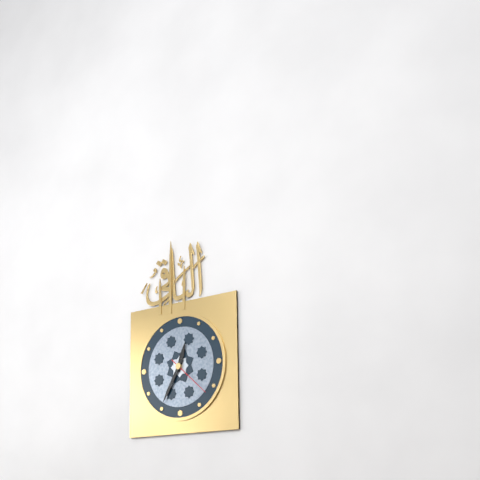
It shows 12.35
